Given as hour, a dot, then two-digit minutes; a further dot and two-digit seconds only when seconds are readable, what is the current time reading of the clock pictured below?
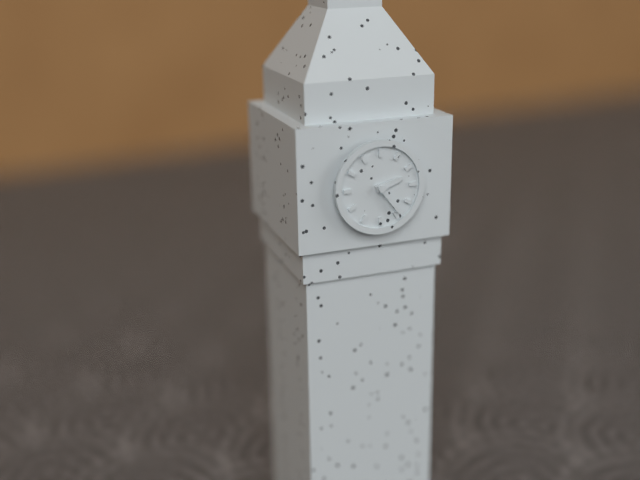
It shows 2.24
